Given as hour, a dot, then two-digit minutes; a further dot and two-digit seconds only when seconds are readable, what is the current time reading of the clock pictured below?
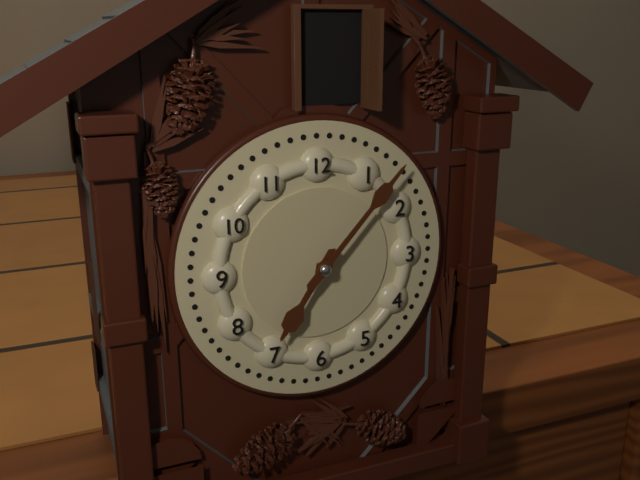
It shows 7.07
